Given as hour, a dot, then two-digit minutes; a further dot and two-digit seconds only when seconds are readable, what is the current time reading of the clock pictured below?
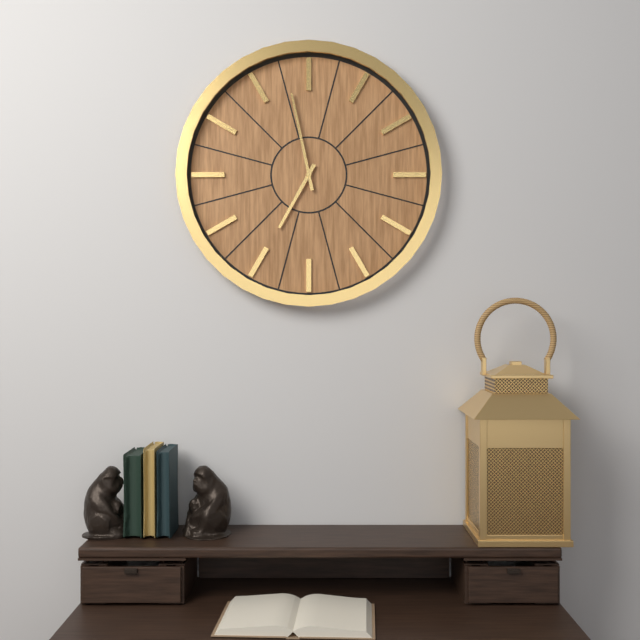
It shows 6.58
